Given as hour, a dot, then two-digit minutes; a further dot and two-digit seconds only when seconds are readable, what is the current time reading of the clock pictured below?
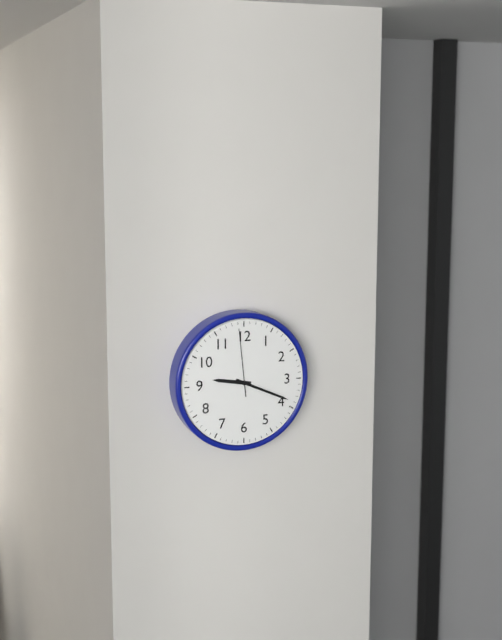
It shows 9.19.59
